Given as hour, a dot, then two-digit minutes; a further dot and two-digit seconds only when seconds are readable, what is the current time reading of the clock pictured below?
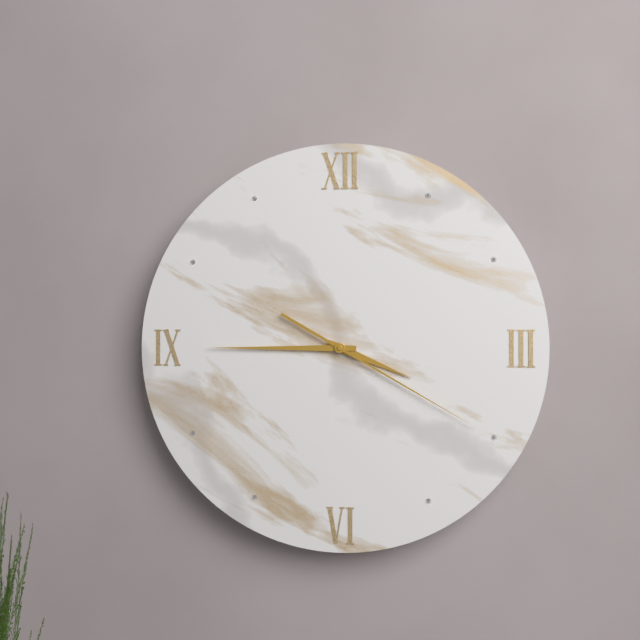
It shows 3.45.20
